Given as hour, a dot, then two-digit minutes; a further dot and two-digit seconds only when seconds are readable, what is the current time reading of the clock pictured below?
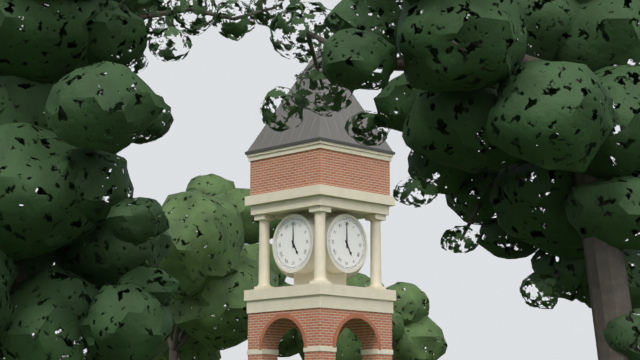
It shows 5.00
